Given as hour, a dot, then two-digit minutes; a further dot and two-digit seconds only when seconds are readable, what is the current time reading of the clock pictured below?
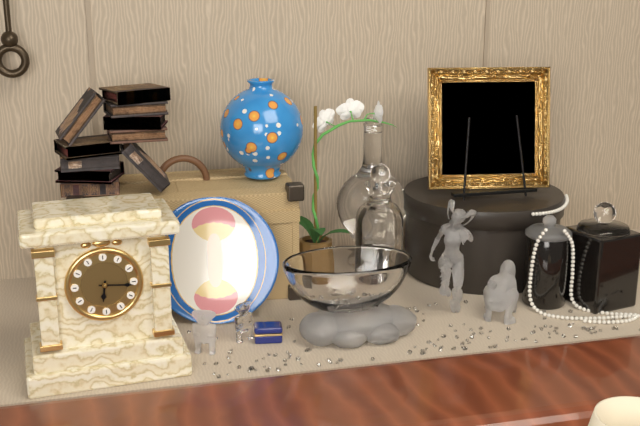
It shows 6.16
